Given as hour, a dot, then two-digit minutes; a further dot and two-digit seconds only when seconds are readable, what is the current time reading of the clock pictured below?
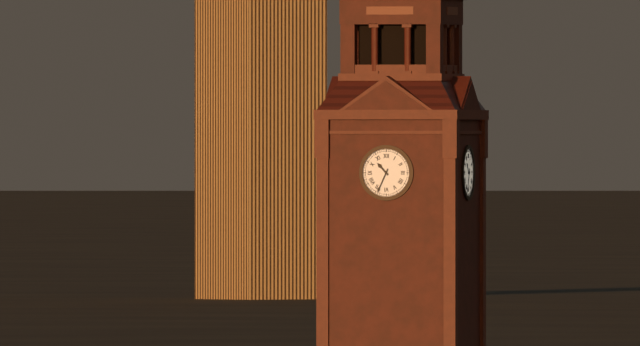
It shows 10.34
